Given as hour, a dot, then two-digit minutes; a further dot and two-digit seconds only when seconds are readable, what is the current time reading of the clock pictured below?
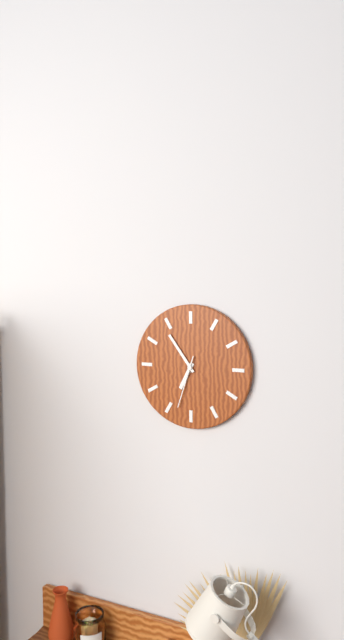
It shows 6.54.33
